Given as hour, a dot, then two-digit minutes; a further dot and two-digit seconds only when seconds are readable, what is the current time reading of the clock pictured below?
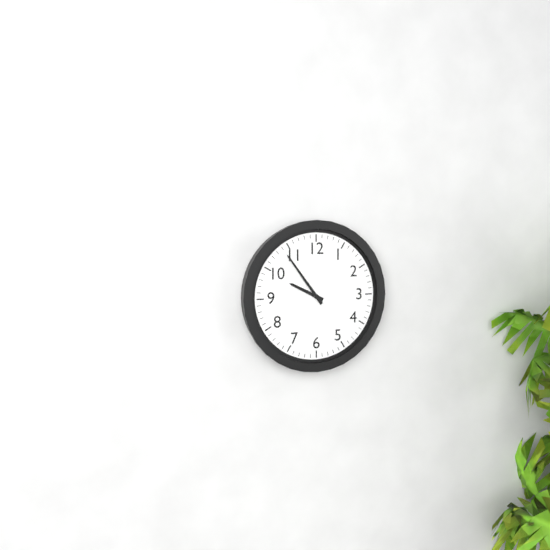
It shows 9.54
